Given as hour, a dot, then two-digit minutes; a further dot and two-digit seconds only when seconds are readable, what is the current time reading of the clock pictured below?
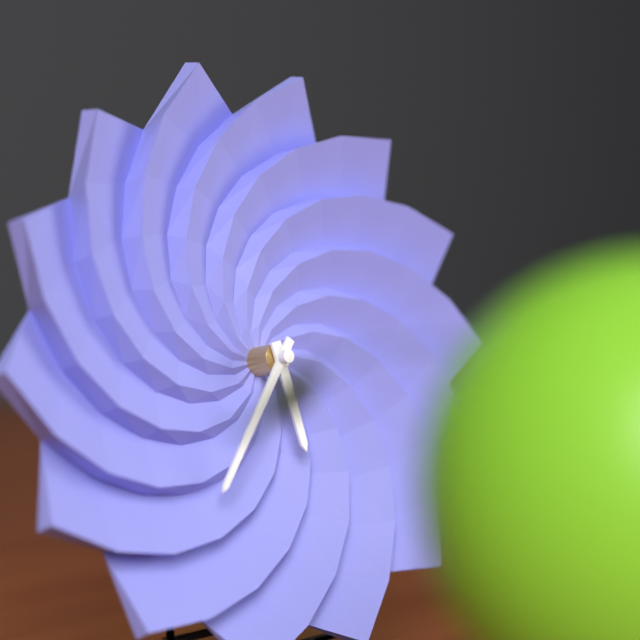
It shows 5.36
